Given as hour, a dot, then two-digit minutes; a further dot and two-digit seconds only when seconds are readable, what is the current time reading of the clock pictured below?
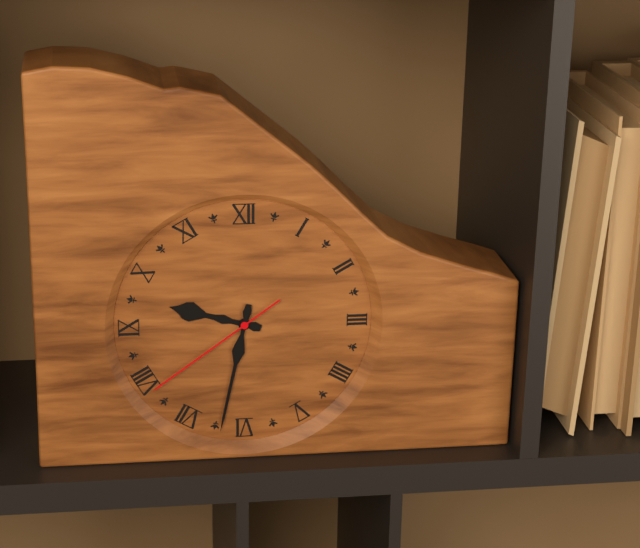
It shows 9.32.39
